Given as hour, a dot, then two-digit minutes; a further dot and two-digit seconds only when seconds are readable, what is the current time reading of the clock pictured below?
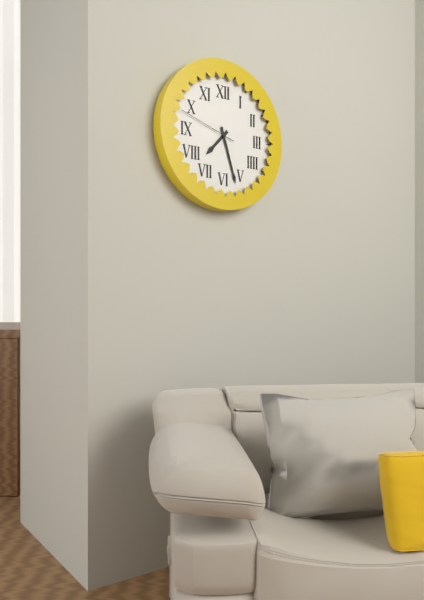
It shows 7.27.48
